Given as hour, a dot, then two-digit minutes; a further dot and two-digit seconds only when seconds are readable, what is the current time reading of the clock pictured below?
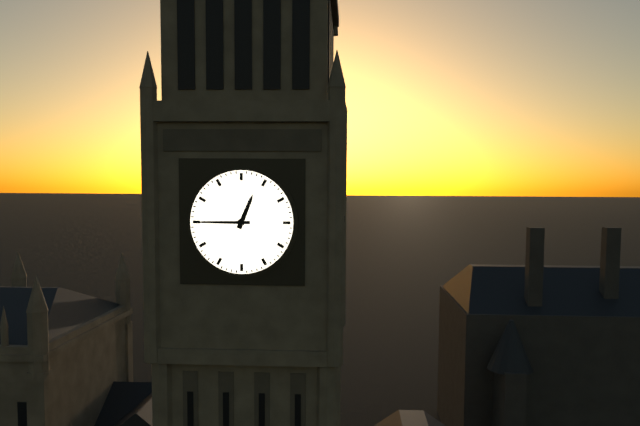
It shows 12.45
